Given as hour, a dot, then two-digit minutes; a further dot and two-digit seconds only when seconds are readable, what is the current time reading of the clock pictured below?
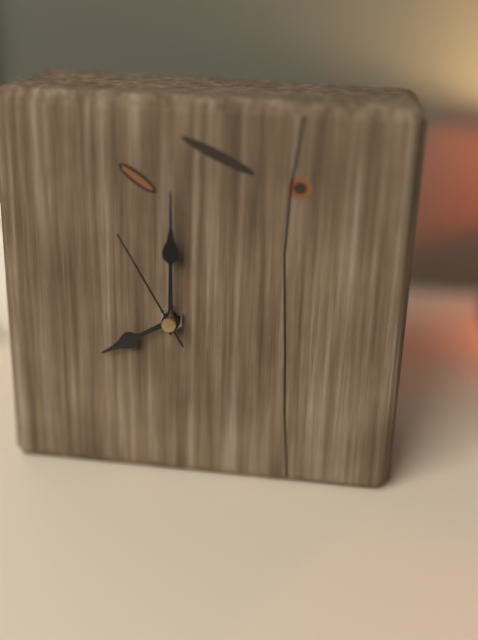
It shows 8.00.55
